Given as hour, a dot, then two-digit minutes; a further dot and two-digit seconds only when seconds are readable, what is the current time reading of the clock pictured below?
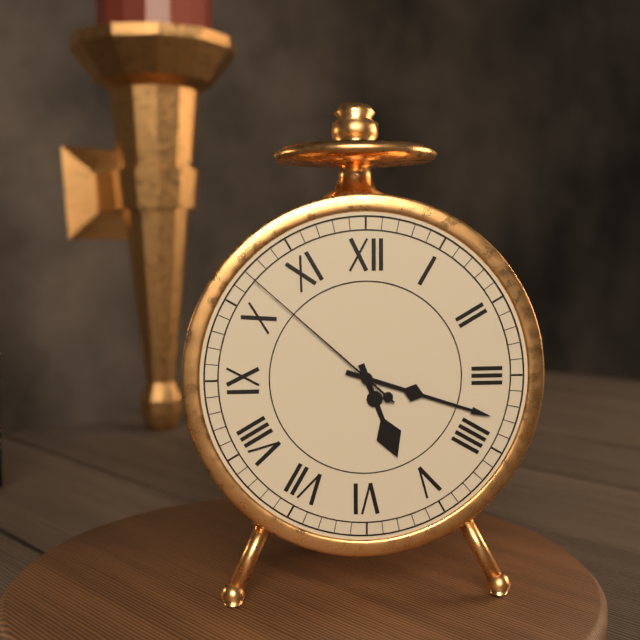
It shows 5.18.52
